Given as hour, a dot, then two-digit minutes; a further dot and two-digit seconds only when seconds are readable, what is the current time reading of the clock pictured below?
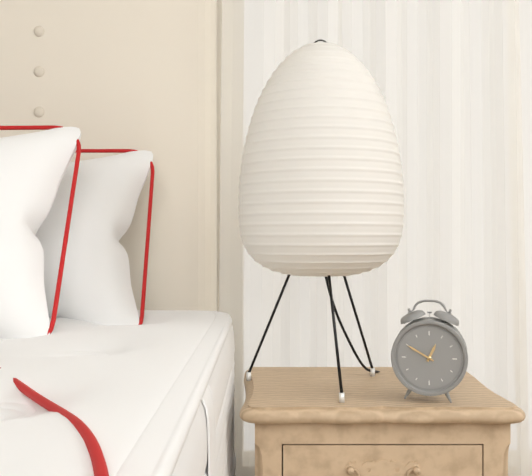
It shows 12.50
